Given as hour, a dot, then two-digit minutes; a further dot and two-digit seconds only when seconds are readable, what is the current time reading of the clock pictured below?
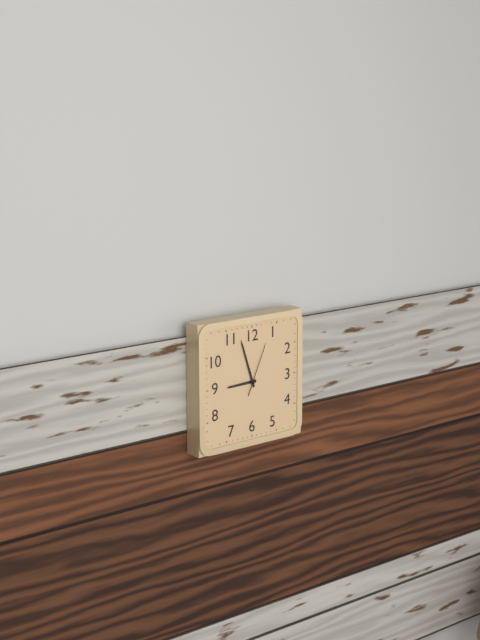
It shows 8.57.04
